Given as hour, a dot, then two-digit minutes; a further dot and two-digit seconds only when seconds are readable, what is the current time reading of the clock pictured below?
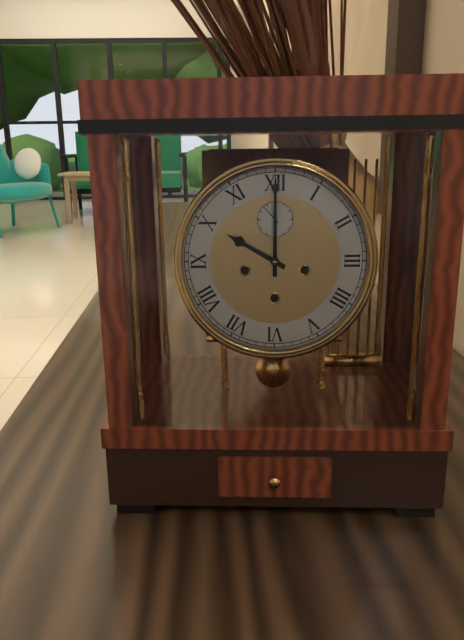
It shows 10.00
